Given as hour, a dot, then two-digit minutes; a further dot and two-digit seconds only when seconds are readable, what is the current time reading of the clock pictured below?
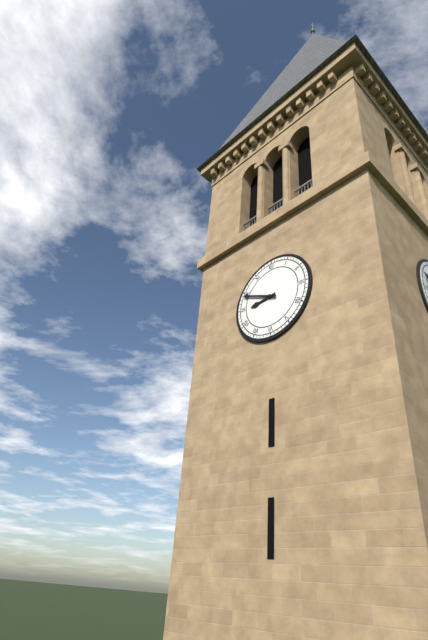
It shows 8.49
